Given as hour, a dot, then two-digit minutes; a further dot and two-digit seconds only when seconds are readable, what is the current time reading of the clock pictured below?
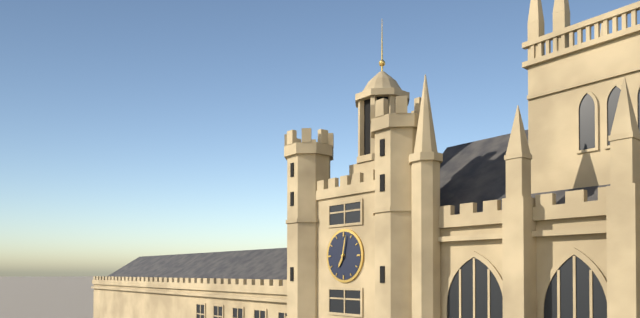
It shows 7.02
